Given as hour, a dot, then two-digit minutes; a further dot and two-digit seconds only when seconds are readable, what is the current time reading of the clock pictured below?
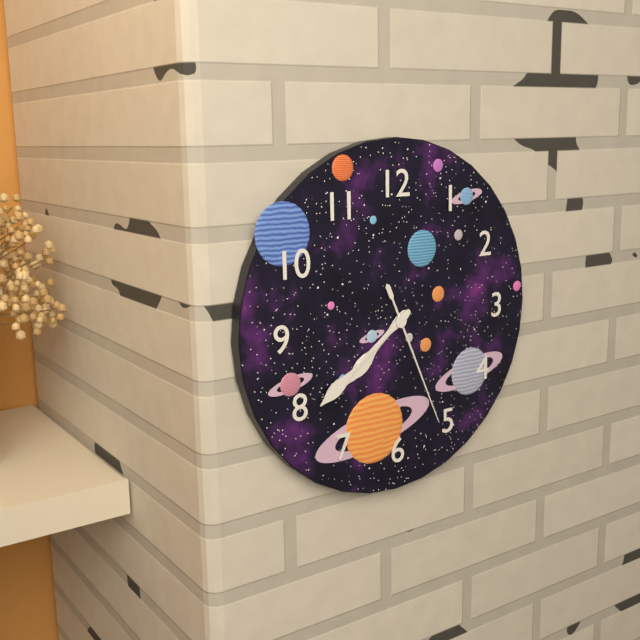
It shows 7.39.26
